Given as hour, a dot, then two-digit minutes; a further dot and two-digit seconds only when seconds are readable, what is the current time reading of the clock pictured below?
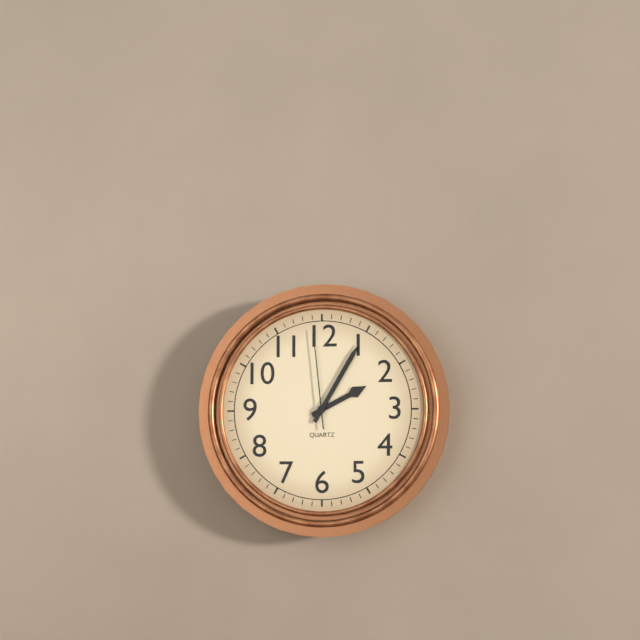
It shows 2.05.59
